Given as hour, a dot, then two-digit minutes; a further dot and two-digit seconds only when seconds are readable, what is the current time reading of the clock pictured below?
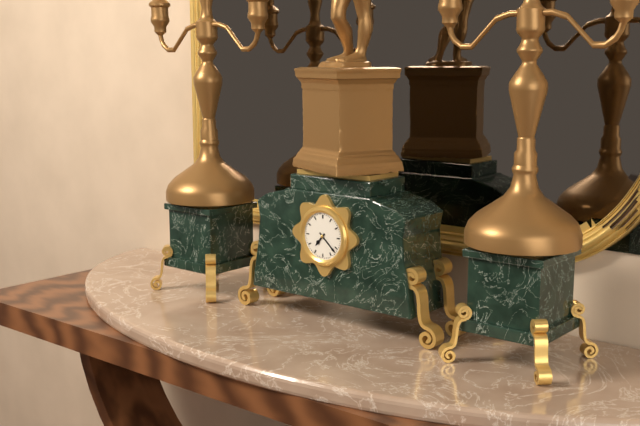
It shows 7.22
